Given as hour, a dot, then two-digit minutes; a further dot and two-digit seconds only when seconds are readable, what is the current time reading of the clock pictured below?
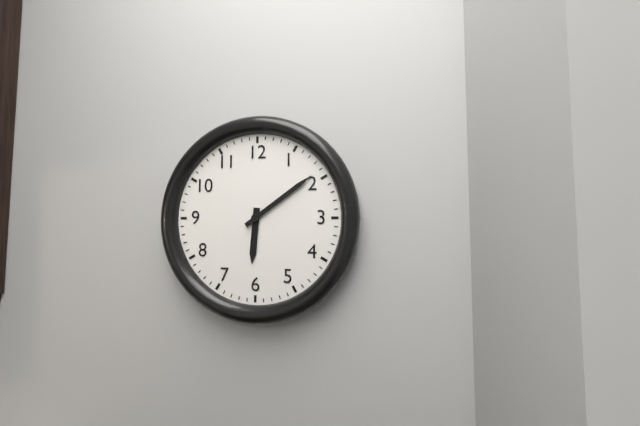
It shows 6.09
